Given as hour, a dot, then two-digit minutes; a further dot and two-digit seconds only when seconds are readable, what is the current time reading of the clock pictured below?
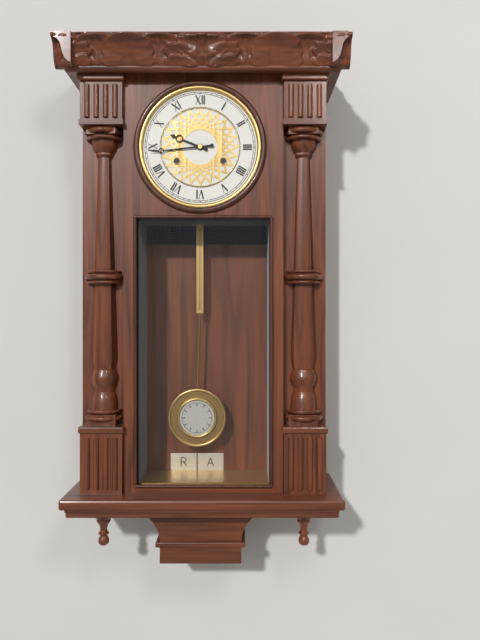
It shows 9.44
